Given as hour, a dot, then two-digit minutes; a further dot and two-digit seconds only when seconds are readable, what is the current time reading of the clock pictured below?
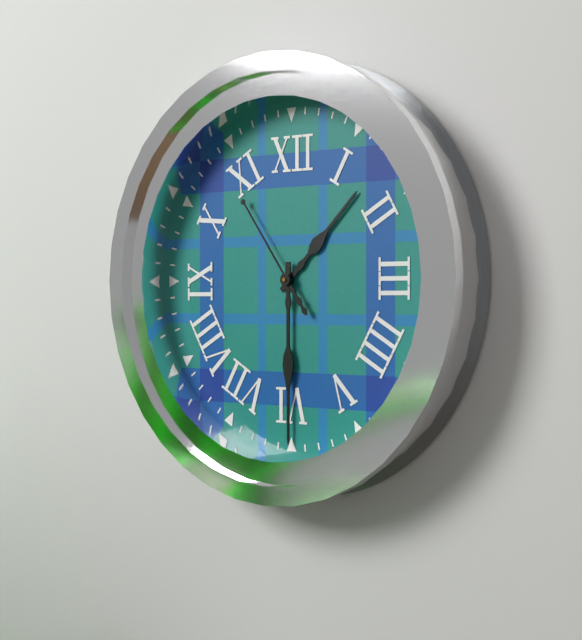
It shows 1.30.54
